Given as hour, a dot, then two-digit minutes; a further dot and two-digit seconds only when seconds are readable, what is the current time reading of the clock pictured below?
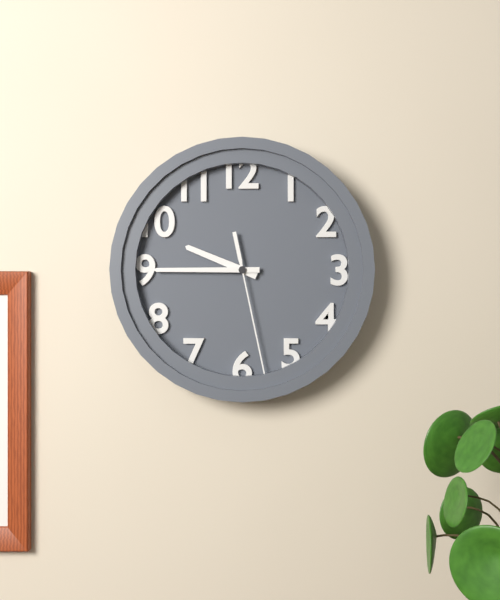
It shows 9.45.28
